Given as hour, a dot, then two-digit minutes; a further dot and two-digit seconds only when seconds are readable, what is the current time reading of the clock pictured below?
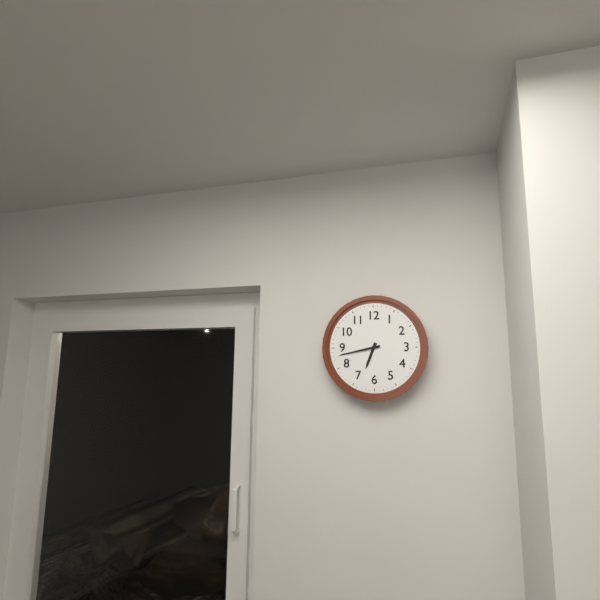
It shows 6.43
